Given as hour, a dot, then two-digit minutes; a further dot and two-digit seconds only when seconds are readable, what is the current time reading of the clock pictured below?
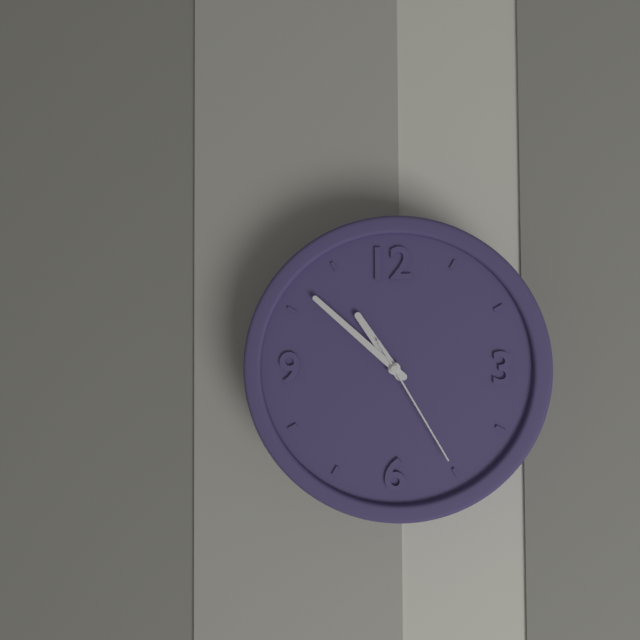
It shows 10.52.25
